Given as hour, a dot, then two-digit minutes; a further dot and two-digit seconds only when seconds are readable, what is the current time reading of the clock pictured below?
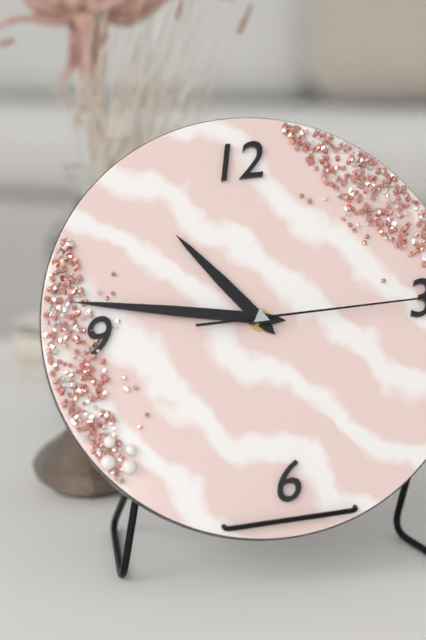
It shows 10.47
